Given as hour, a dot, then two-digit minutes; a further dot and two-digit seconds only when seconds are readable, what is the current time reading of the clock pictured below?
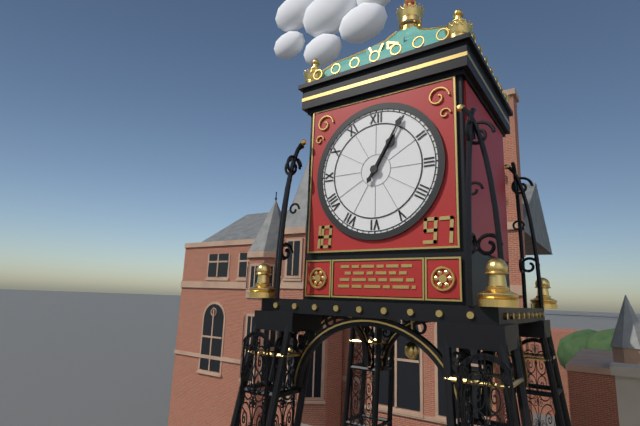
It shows 1.05
